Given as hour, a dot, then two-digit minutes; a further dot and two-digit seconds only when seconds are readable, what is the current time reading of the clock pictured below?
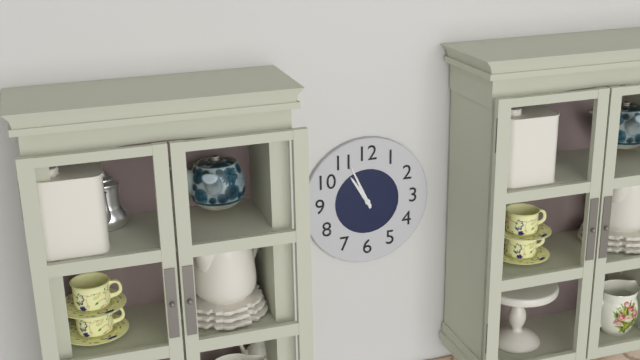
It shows 10.56
